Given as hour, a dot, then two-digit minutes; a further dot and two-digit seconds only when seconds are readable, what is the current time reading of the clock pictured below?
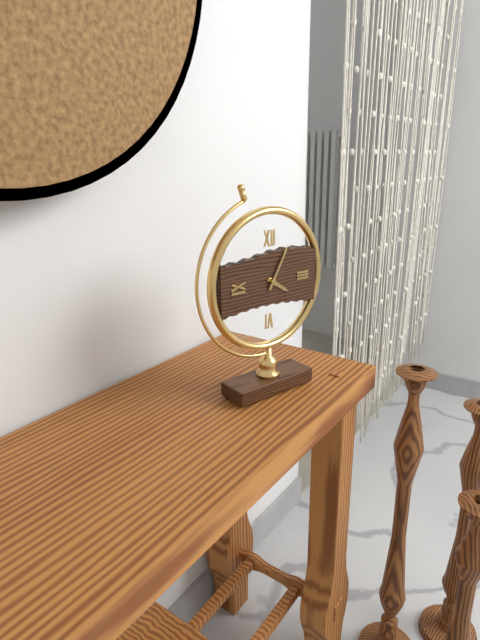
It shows 4.05
